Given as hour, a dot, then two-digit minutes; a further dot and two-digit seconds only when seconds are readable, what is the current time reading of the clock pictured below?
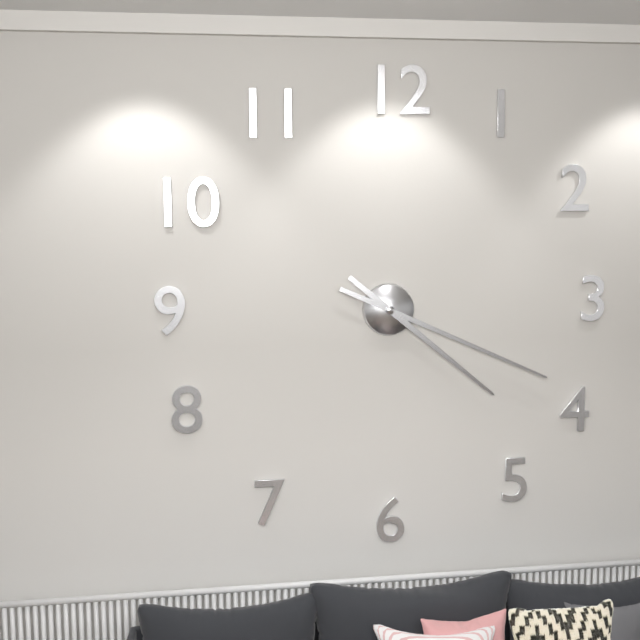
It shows 4.19
